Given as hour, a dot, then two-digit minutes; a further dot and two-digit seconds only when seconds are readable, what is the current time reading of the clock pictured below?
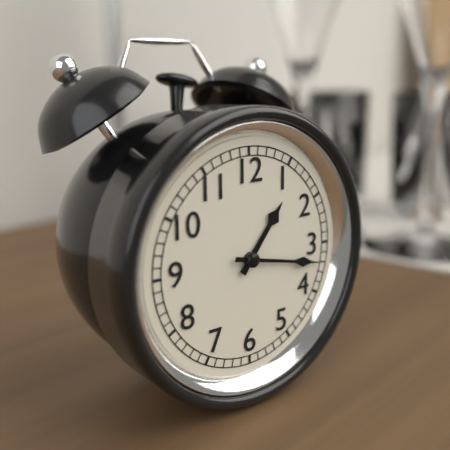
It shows 1.17
